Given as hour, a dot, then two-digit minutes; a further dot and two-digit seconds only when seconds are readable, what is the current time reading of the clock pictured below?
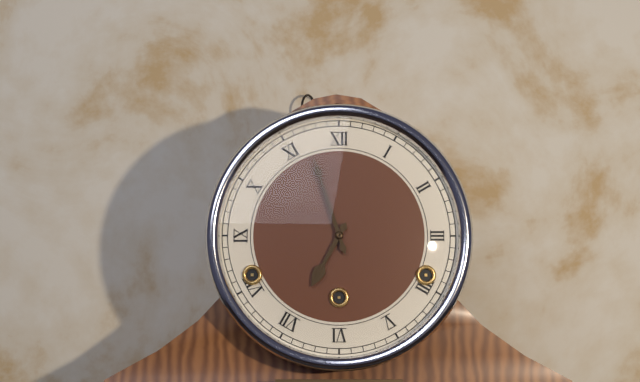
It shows 6.57
